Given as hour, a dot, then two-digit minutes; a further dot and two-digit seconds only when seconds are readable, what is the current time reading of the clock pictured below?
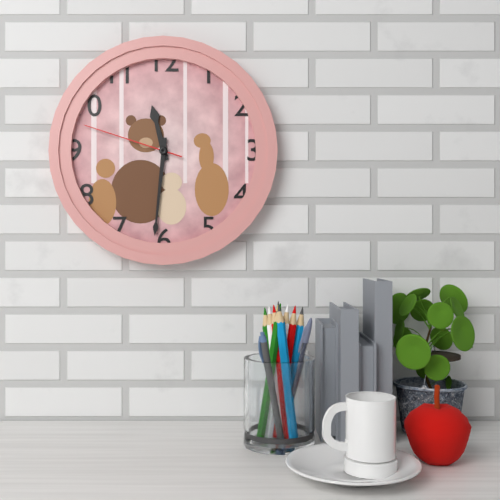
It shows 11.31.48
